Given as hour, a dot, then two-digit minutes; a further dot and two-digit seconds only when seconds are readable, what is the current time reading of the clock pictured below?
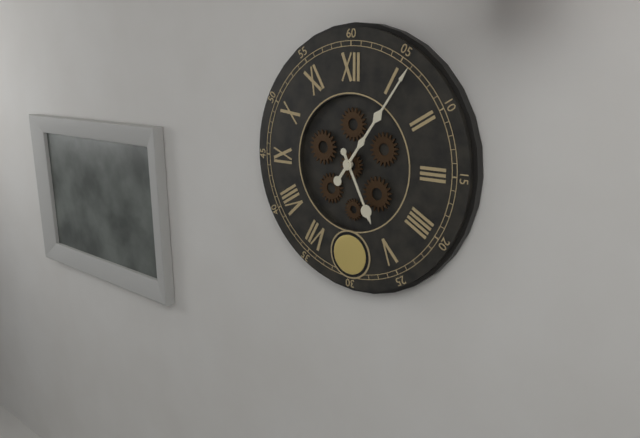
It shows 5.06
